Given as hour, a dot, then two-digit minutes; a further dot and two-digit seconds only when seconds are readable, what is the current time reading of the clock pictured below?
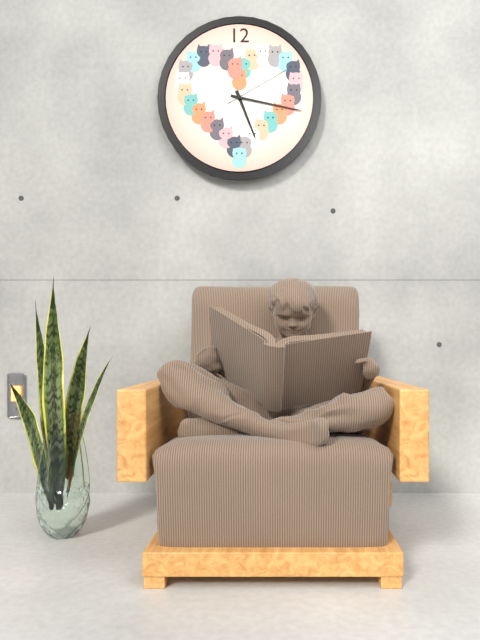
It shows 5.17.10
